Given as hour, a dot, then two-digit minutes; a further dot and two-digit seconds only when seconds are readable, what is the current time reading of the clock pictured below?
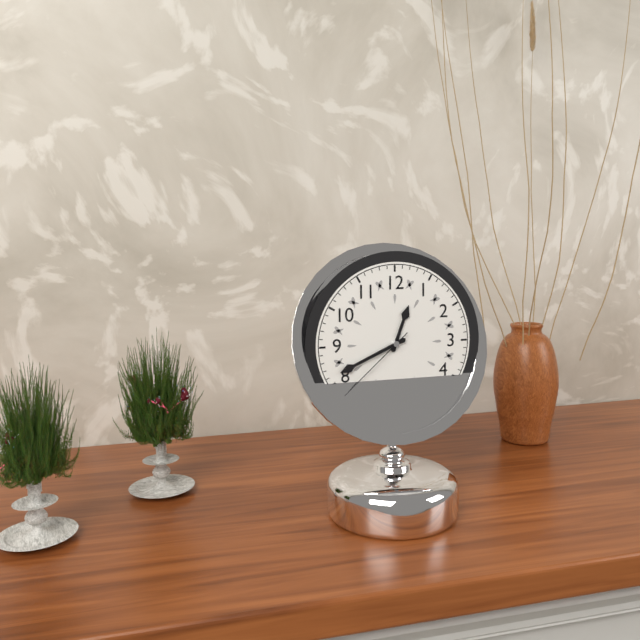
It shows 12.41.38
